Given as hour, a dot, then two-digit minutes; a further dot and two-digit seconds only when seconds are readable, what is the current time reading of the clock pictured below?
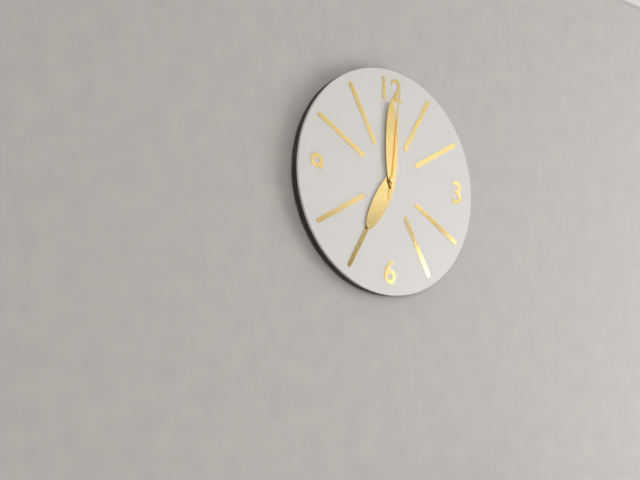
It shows 7.00.01
